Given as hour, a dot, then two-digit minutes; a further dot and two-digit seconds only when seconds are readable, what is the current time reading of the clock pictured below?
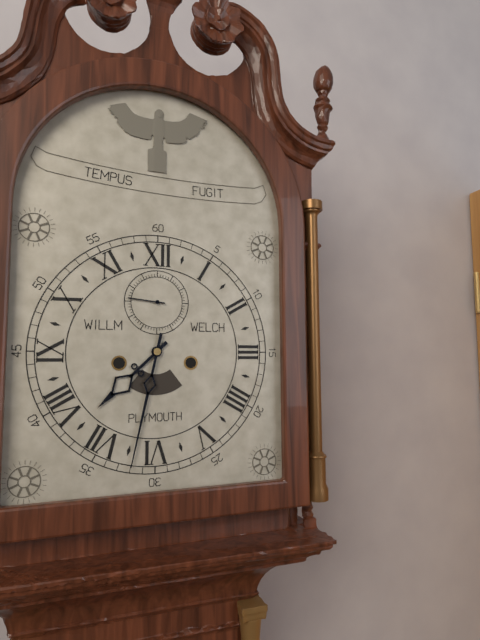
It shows 7.32
